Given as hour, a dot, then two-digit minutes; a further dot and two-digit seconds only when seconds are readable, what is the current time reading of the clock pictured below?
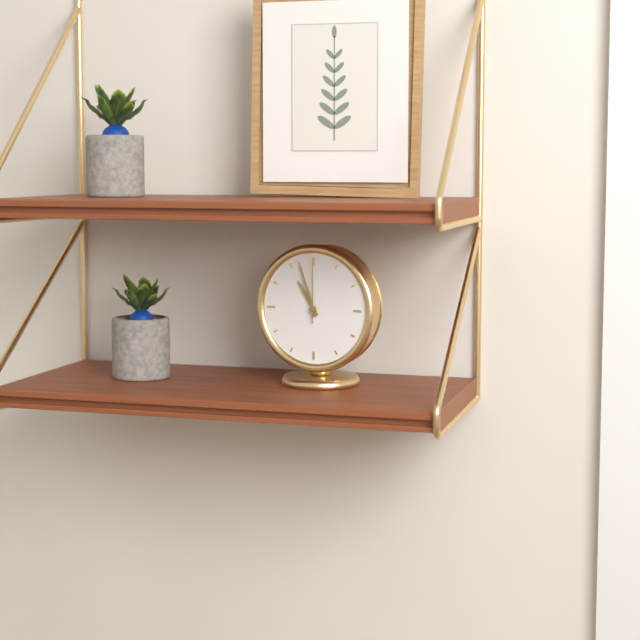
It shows 10.57.00
